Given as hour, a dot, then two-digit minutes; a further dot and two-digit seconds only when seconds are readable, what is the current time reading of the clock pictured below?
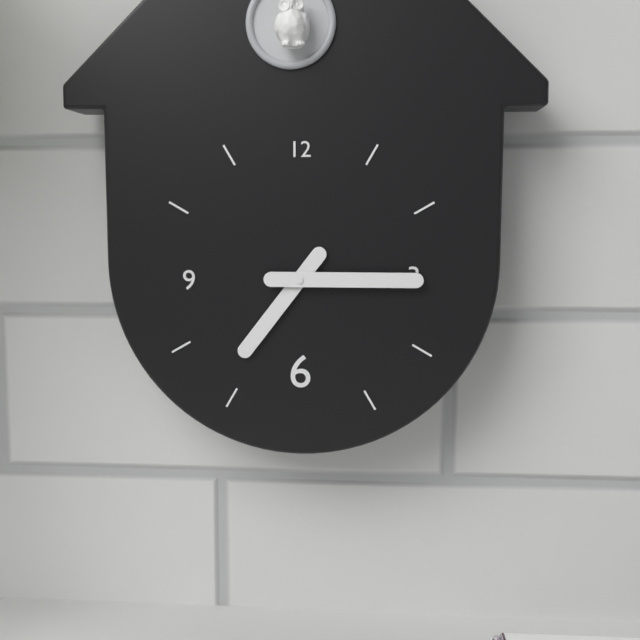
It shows 7.15
